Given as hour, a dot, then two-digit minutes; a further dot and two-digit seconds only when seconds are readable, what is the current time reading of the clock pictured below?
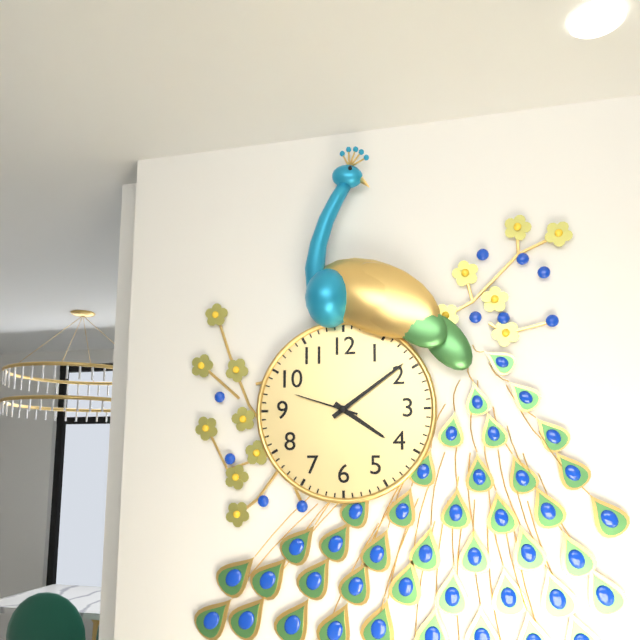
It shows 4.09.48
